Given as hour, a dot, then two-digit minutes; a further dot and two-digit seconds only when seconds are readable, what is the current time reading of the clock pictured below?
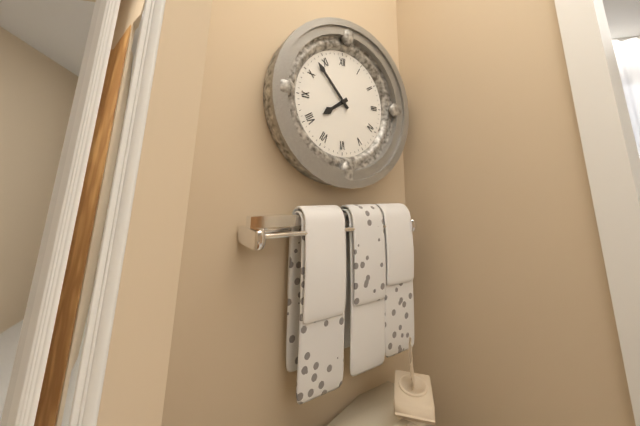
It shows 7.53
